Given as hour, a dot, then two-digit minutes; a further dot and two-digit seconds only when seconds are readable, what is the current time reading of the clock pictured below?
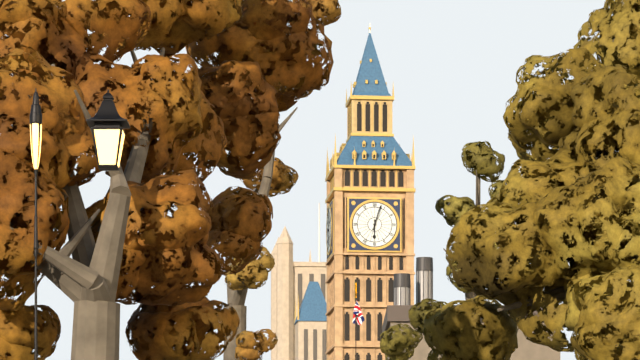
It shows 6.03
